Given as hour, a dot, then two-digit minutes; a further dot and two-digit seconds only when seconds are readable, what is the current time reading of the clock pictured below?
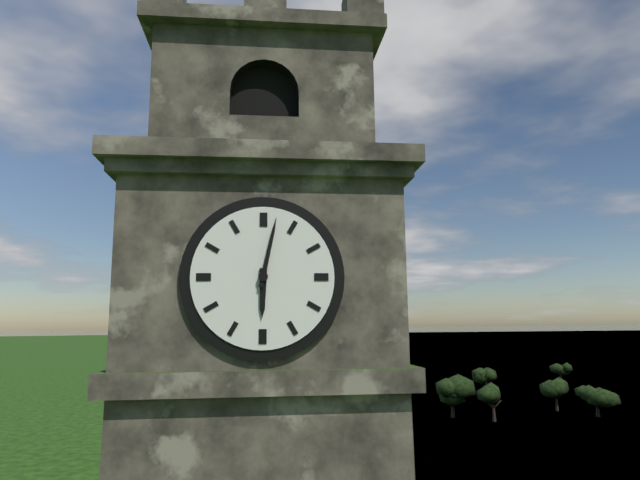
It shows 6.02
